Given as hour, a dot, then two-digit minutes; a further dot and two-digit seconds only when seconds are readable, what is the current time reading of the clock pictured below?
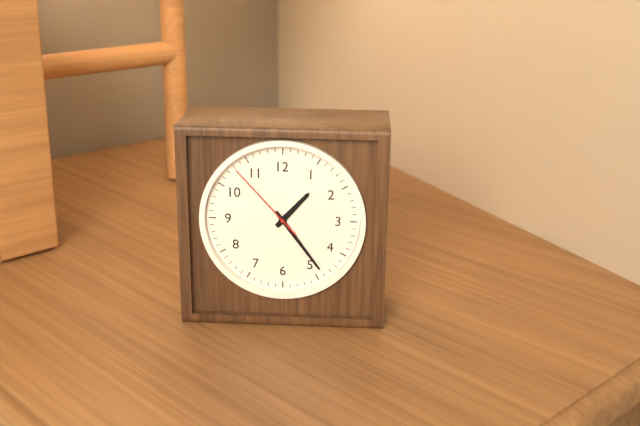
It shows 1.24.53
